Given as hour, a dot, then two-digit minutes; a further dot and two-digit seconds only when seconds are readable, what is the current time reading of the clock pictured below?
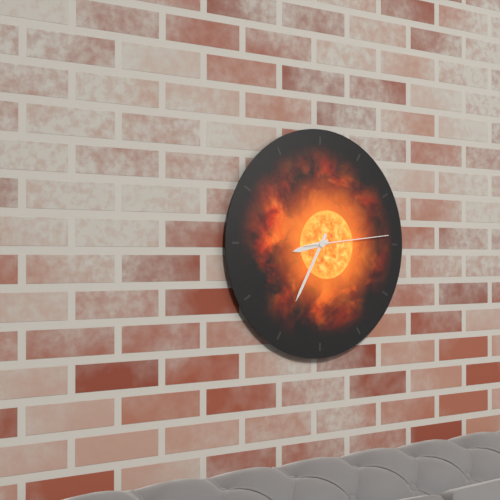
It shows 8.35.14
